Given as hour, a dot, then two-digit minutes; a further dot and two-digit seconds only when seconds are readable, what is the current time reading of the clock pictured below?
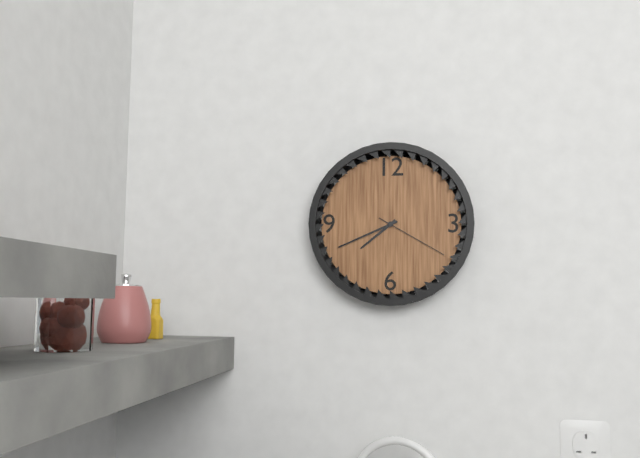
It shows 7.41.20
